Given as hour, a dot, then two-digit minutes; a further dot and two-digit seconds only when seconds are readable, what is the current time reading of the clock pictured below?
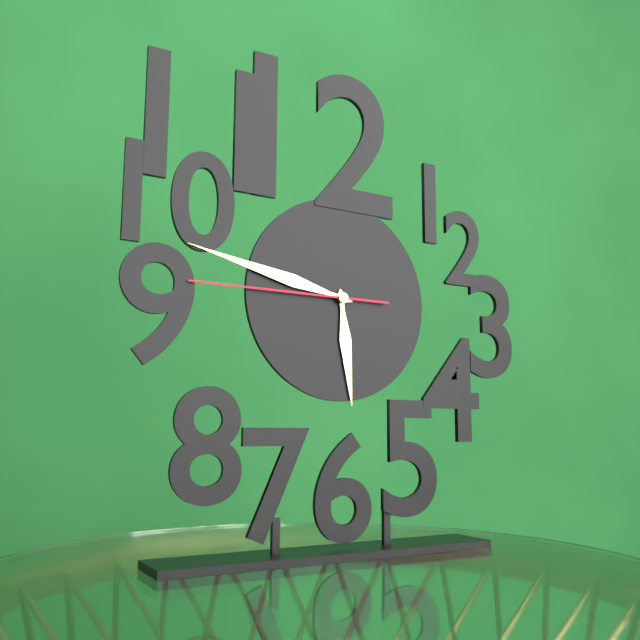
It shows 5.47.45
